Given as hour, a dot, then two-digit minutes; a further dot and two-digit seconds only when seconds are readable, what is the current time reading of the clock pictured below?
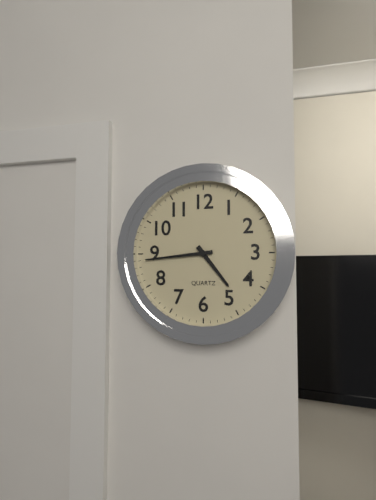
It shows 4.44
